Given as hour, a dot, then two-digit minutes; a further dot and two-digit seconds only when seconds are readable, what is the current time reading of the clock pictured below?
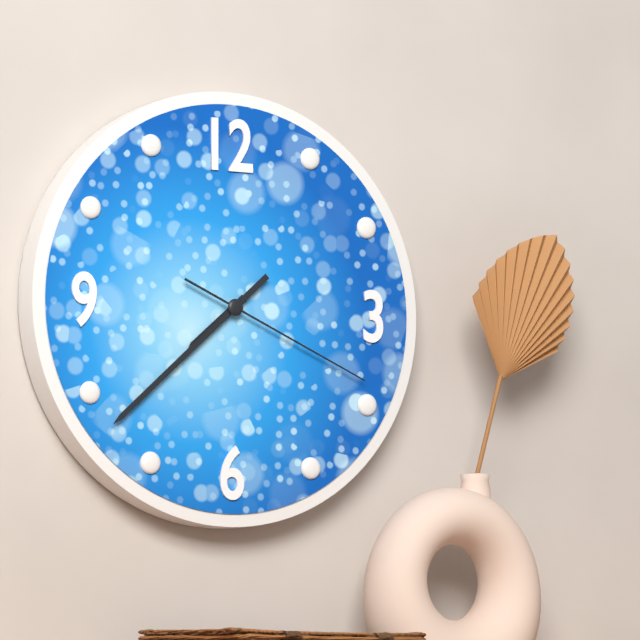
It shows 7.38.19
